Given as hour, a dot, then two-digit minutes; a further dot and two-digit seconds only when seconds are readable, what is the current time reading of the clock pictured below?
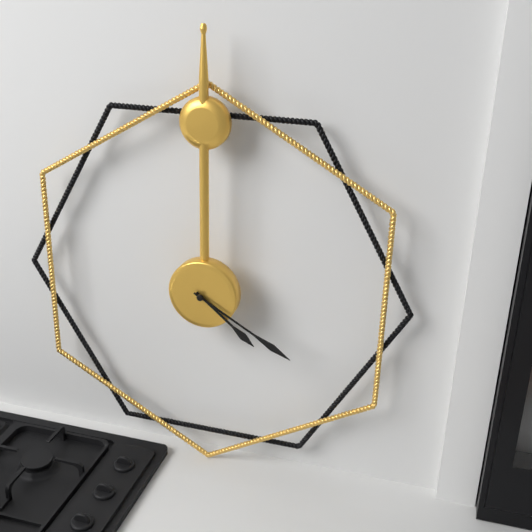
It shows 4.20
